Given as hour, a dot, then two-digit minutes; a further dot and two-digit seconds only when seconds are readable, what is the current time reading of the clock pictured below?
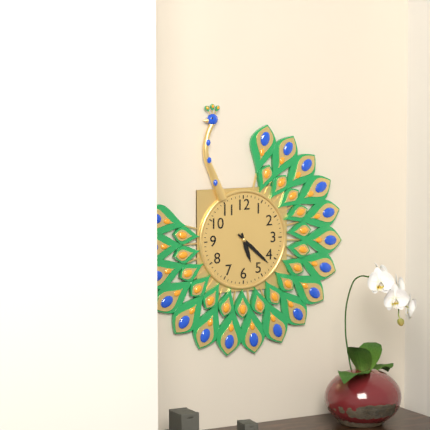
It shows 5.22
